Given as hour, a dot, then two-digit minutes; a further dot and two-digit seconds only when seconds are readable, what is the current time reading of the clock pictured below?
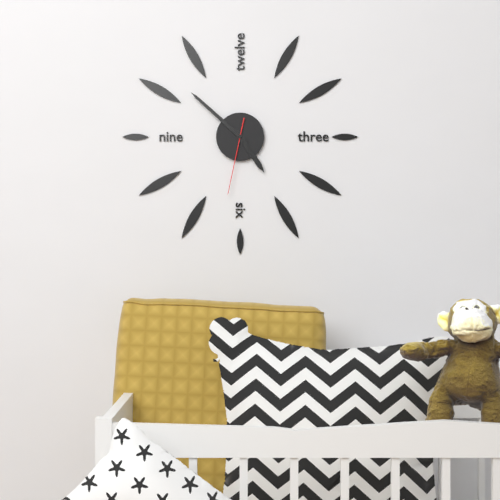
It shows 4.52.32
